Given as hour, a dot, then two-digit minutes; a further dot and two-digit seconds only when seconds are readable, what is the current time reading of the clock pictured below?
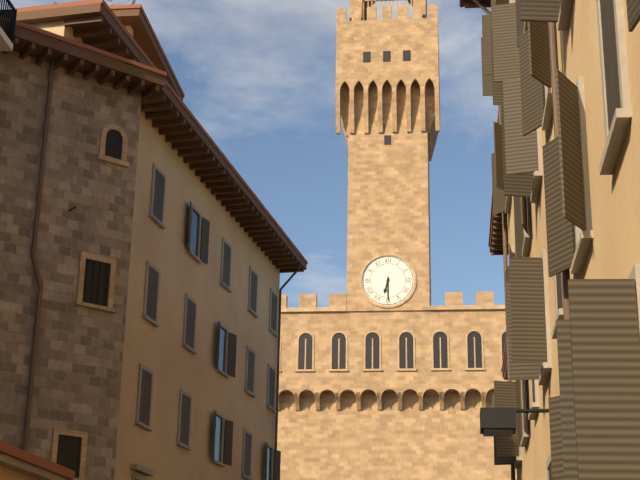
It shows 6.30
